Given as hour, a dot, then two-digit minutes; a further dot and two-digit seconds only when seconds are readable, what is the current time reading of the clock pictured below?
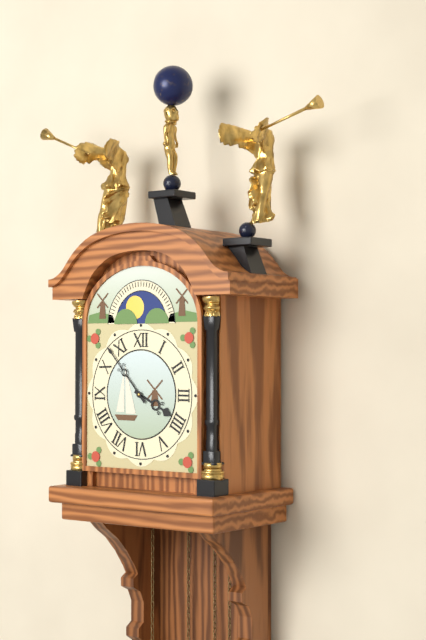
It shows 3.53
